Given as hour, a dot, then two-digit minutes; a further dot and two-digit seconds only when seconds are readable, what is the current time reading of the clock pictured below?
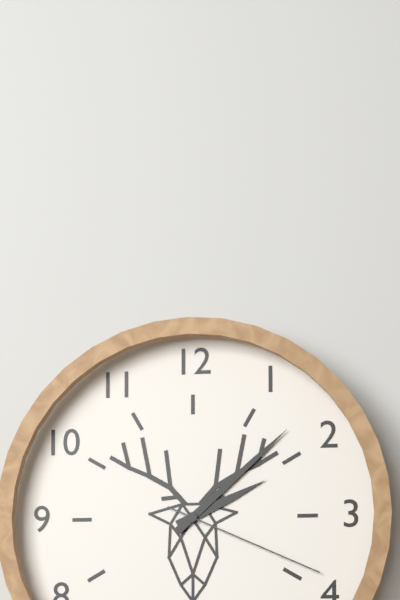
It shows 2.08.19
